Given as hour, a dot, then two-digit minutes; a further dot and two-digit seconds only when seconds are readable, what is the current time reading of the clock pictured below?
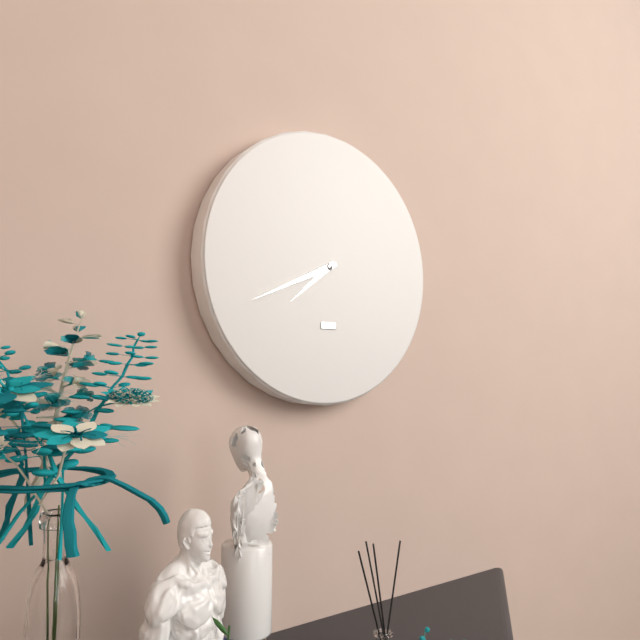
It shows 7.41
